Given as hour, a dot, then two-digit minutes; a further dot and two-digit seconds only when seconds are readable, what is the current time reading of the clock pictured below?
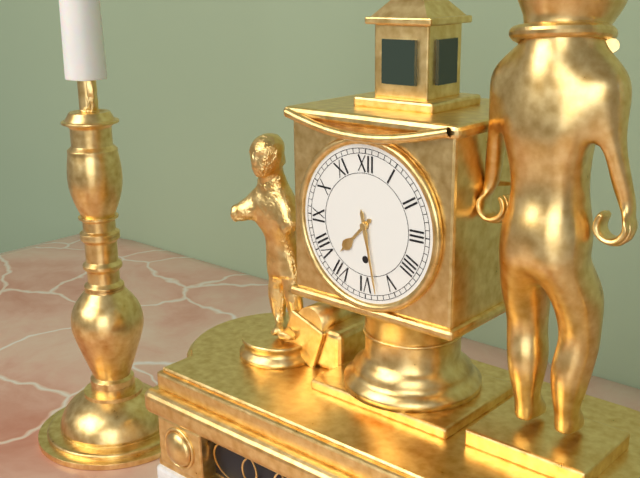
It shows 7.28
